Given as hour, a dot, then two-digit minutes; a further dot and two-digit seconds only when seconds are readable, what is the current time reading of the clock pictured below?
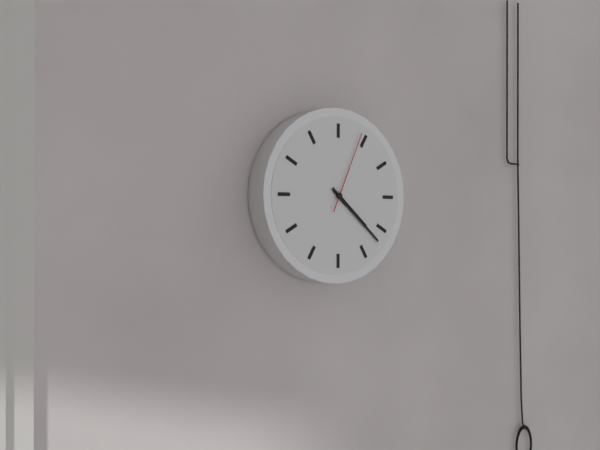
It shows 4.22.04
